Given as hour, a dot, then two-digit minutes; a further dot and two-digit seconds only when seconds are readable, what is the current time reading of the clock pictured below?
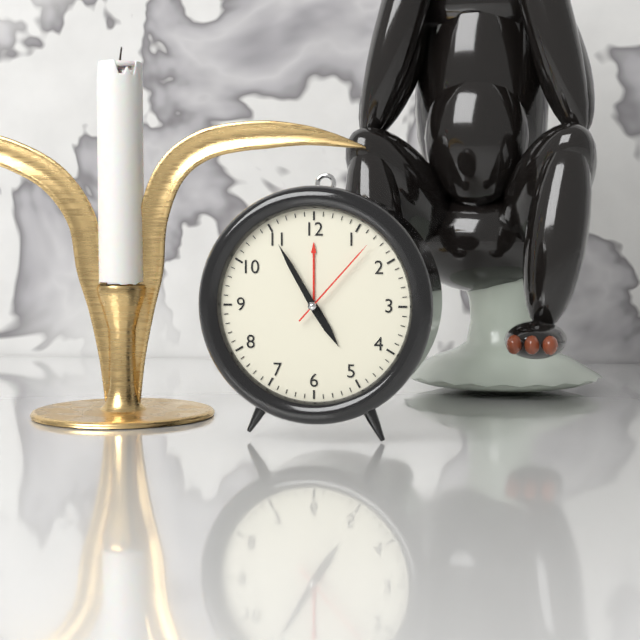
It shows 4.55.07
